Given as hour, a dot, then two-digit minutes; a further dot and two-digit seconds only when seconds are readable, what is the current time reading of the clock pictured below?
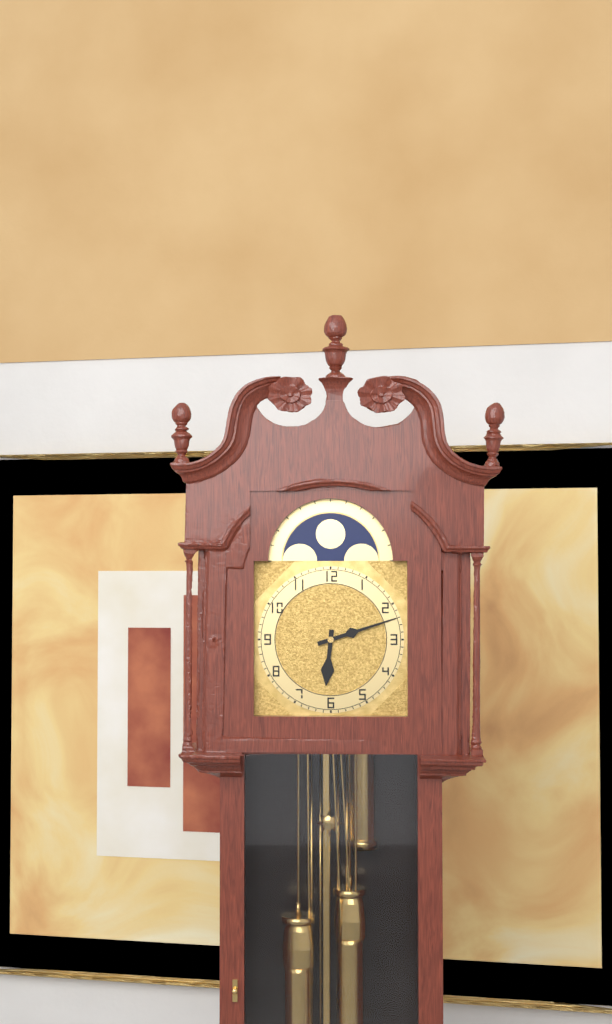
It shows 6.12
